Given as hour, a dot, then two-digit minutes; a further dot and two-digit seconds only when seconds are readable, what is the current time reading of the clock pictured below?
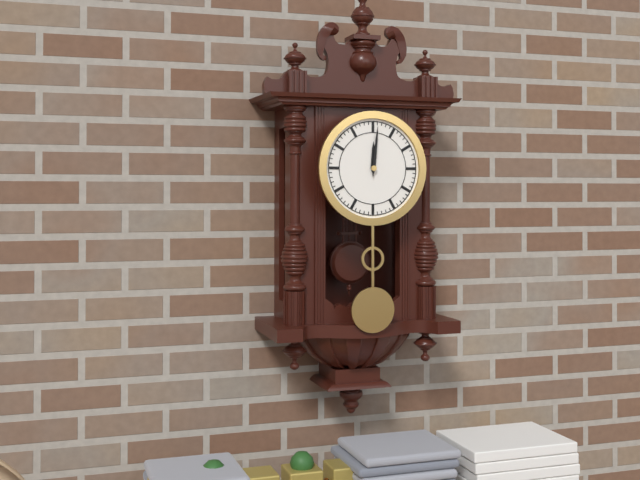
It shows 12.01
